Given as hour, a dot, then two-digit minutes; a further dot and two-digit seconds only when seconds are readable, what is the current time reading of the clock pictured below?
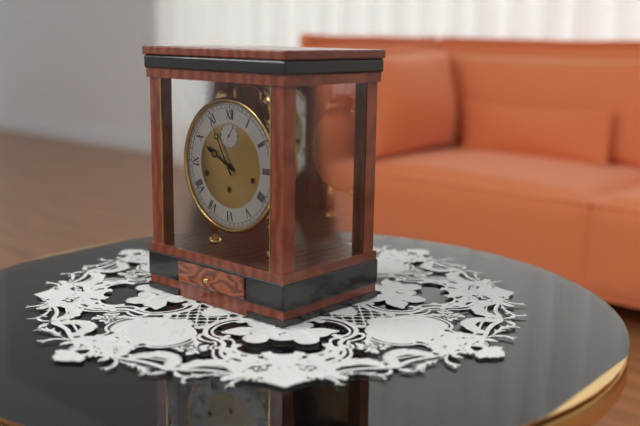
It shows 9.55
